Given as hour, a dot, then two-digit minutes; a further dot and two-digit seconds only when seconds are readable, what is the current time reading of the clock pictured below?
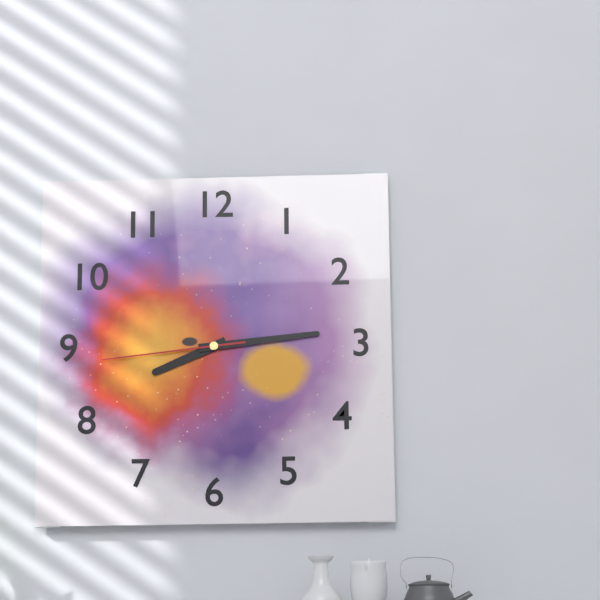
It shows 8.14.44
